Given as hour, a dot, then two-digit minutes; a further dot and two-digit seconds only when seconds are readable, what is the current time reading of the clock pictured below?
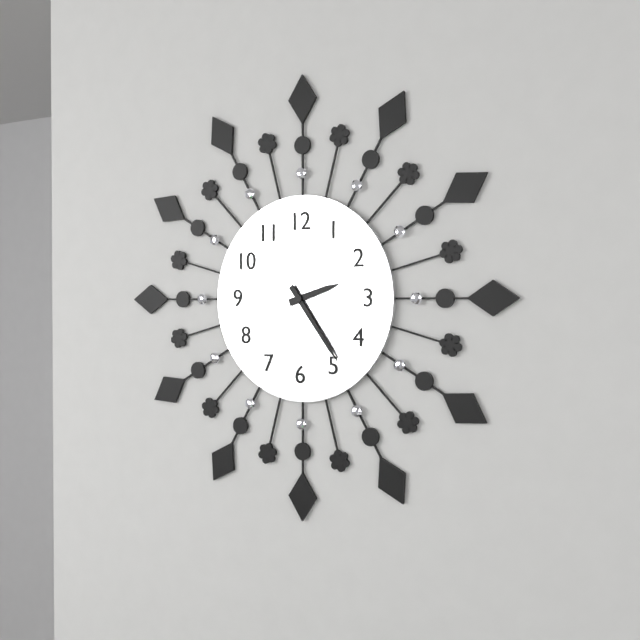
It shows 2.24
